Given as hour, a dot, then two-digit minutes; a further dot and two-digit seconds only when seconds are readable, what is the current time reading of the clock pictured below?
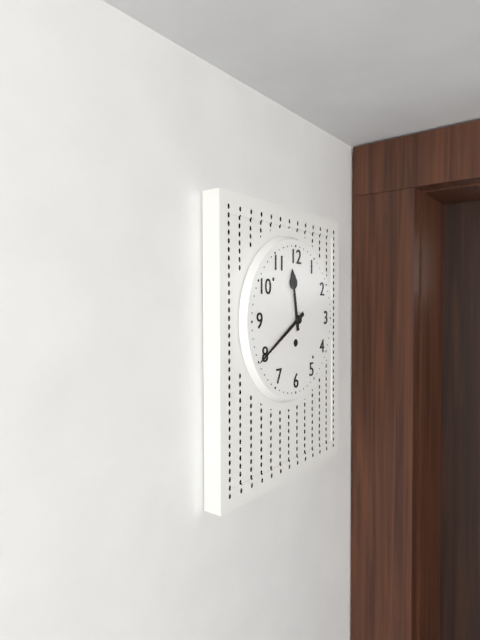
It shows 11.40
